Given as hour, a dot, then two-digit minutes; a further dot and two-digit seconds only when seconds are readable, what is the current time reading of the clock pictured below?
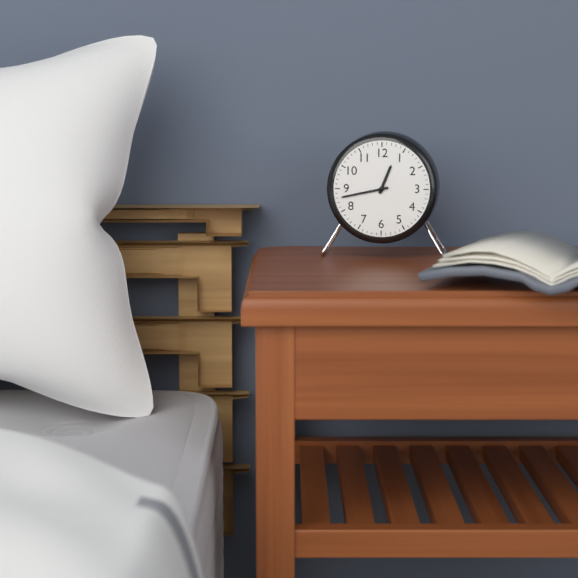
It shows 12.43
